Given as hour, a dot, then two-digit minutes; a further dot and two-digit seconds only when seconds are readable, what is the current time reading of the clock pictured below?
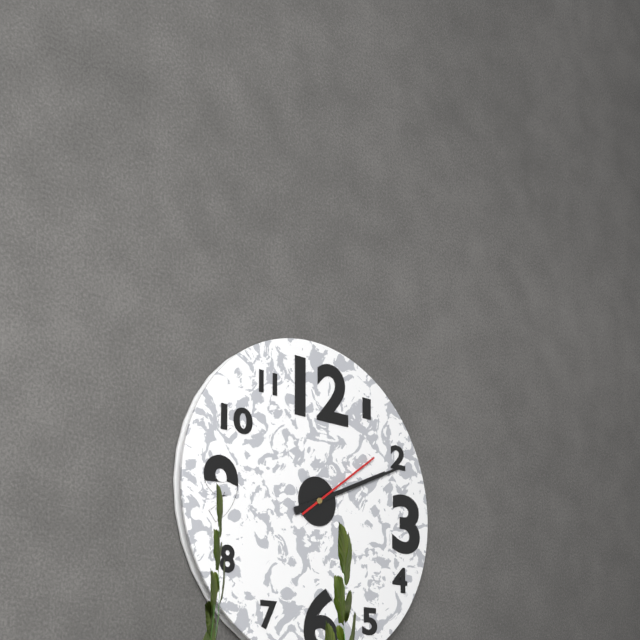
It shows 2.11.09
